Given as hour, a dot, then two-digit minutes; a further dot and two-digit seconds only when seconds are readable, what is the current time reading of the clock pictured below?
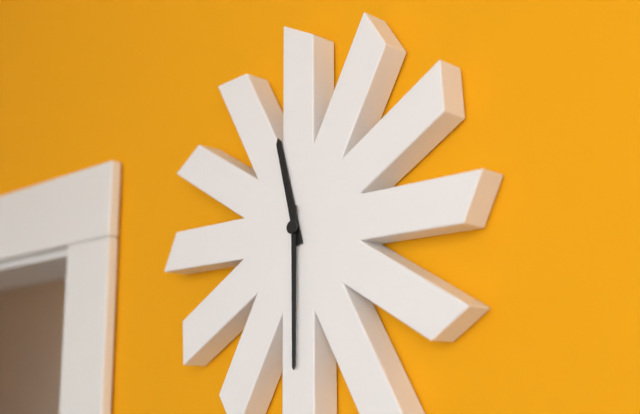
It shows 11.30
